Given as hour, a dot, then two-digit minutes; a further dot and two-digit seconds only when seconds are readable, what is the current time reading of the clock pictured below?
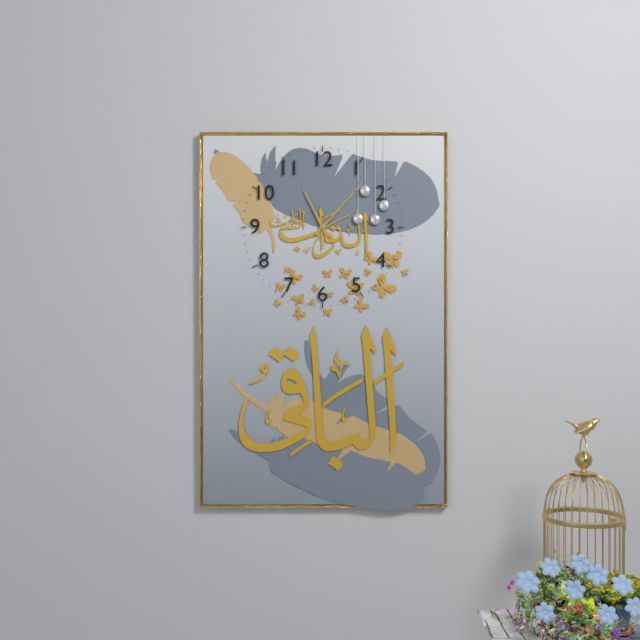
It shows 11.07
